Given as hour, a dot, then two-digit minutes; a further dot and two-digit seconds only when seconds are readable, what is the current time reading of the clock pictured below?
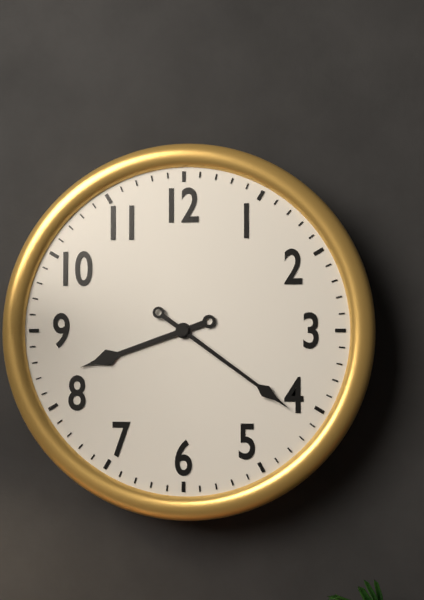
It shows 8.21
